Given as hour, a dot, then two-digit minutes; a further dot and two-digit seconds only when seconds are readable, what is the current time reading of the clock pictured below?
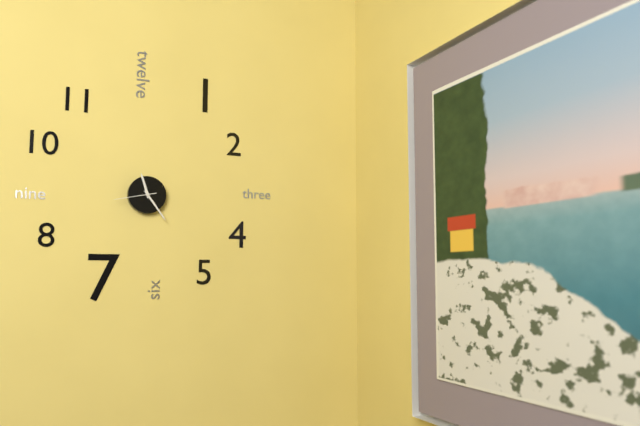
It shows 11.24
